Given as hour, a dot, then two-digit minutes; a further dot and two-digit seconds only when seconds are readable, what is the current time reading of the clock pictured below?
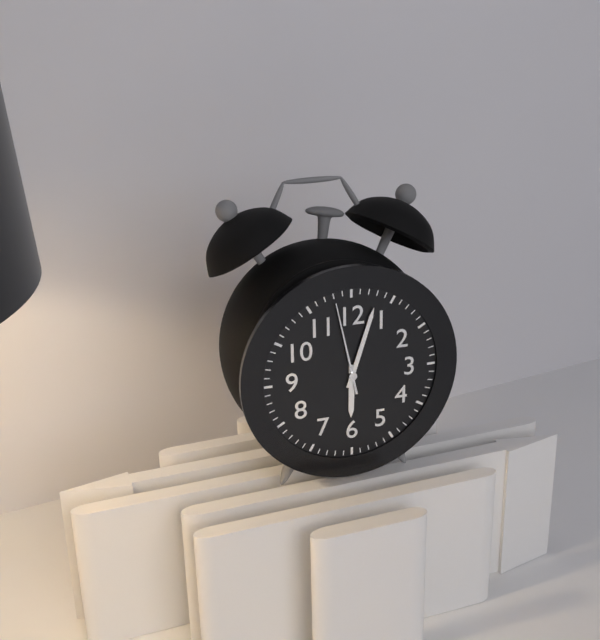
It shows 6.03.58
